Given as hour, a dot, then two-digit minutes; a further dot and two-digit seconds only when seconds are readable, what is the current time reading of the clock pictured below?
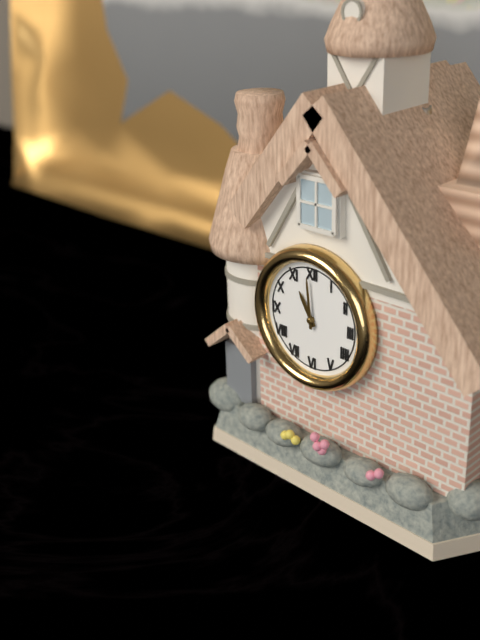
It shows 10.59
